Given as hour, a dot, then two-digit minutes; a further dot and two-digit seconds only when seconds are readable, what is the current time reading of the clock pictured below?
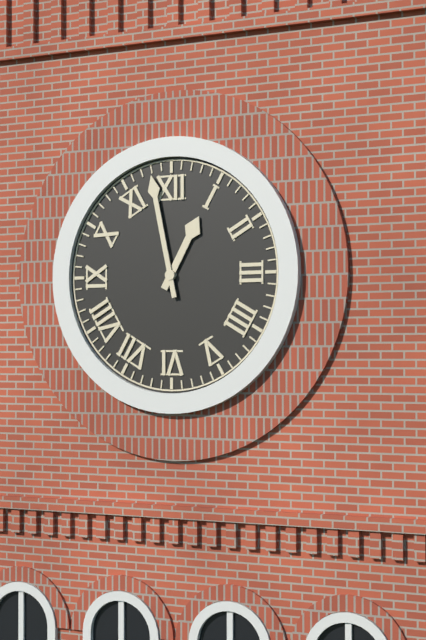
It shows 12.58
